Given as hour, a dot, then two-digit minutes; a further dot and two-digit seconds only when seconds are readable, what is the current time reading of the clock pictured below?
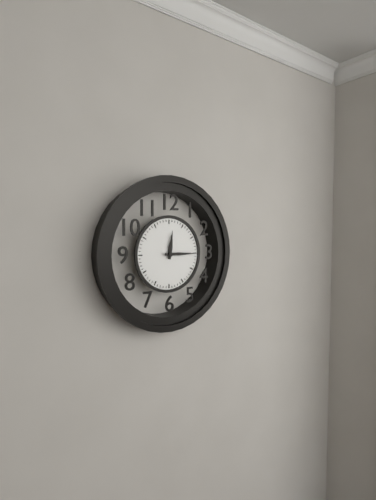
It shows 12.15
